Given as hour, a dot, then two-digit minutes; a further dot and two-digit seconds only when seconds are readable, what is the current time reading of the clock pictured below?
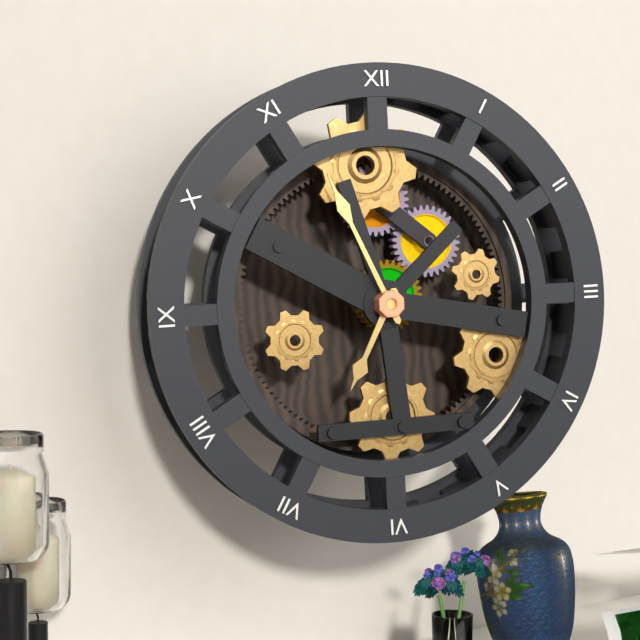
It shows 6.56
